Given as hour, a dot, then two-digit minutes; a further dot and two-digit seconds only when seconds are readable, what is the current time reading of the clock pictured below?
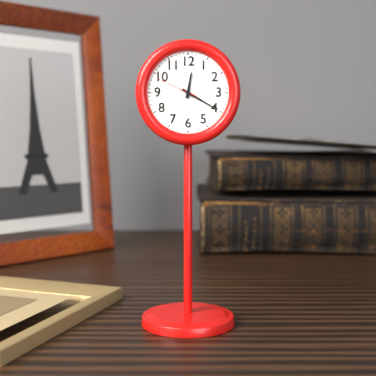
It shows 12.20
